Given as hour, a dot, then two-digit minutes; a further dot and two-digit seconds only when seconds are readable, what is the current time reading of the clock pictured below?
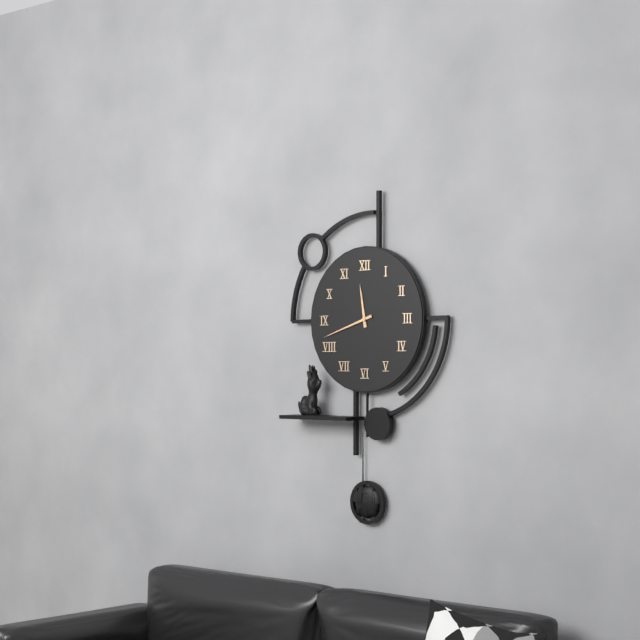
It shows 11.42
